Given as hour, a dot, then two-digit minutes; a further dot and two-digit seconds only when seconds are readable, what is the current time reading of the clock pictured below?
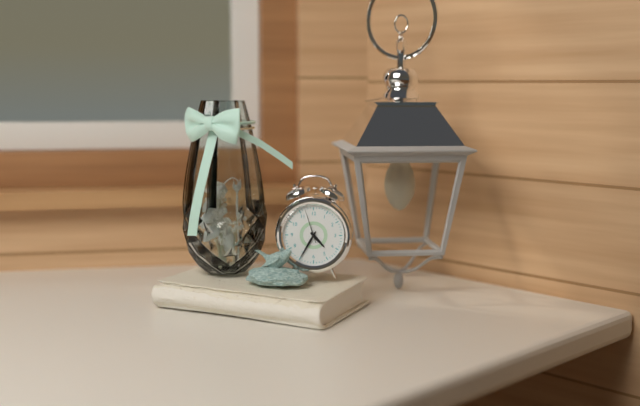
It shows 4.35
